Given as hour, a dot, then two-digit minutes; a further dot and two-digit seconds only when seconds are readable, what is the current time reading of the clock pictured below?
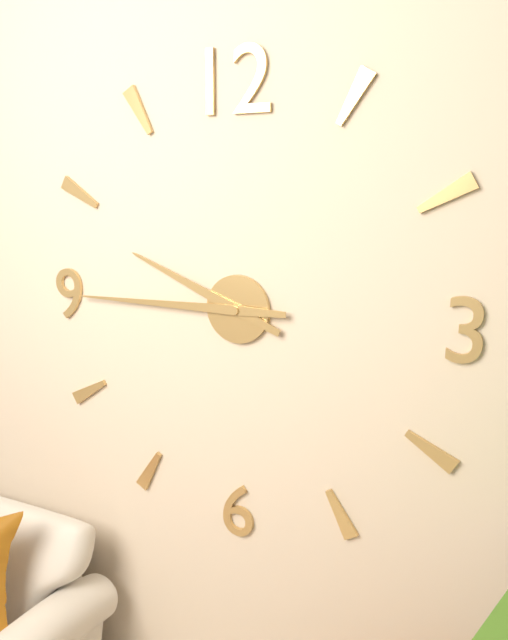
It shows 9.45
